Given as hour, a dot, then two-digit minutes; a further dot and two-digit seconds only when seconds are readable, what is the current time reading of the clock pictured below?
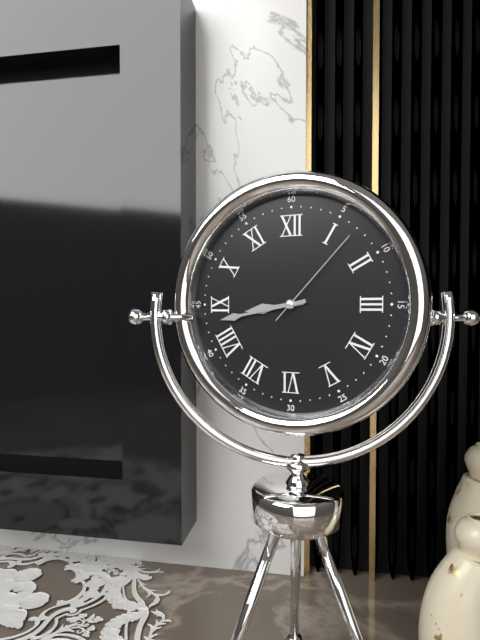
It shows 8.43.07
